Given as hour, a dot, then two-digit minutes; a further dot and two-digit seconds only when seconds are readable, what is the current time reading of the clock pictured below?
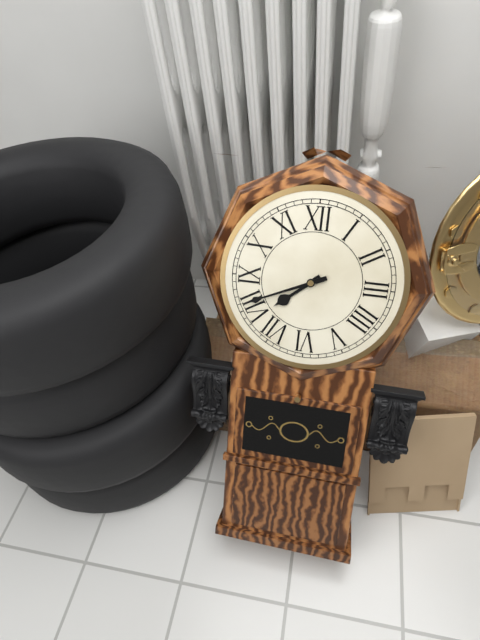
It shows 7.41
